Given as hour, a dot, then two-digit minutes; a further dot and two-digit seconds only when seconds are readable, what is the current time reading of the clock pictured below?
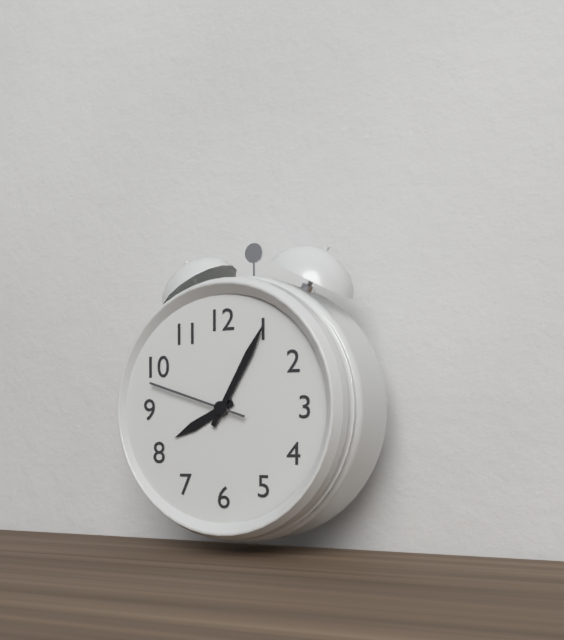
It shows 8.05.48
